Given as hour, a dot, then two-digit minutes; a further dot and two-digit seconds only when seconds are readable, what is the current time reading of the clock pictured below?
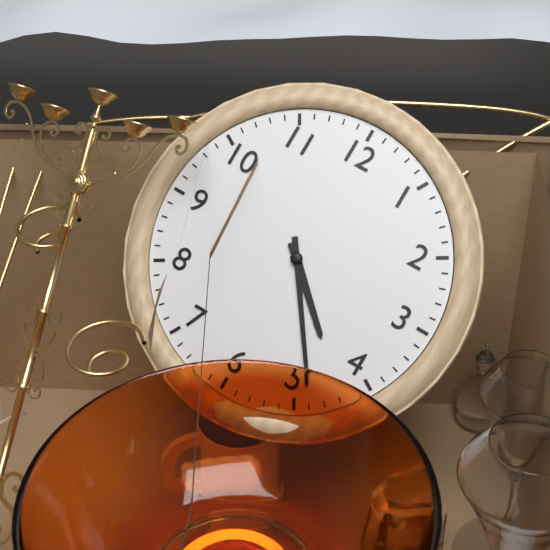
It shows 4.24
